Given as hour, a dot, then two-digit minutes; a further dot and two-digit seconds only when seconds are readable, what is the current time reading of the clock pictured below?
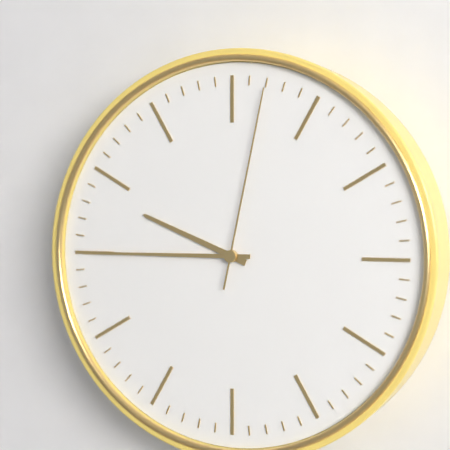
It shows 9.45.02
